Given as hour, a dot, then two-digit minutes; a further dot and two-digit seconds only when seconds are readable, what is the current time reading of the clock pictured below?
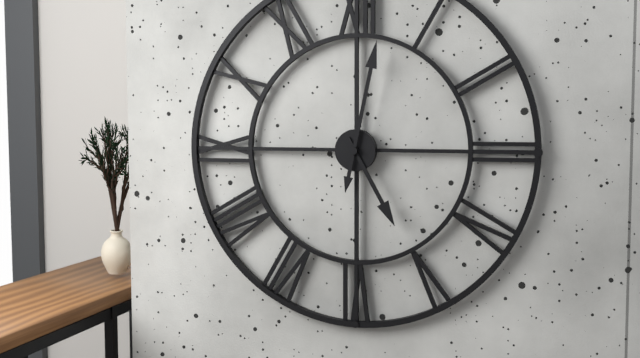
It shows 5.02
